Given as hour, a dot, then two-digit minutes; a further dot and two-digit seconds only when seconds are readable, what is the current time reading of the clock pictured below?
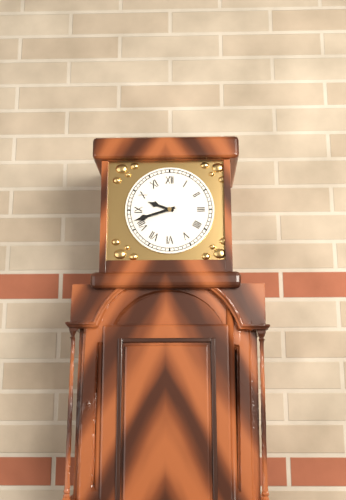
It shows 9.42
